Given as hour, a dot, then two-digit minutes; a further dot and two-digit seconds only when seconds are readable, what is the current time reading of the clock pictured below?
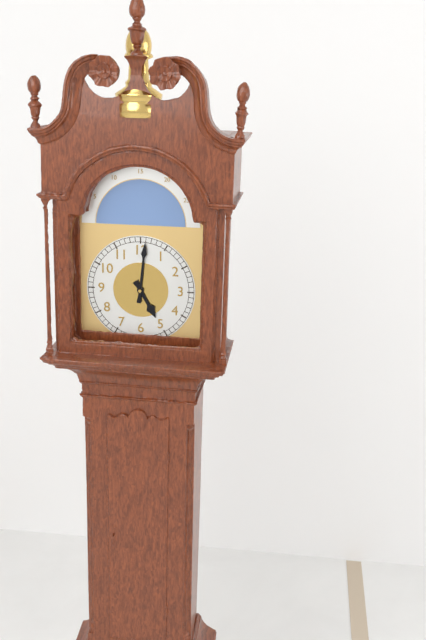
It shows 5.01
